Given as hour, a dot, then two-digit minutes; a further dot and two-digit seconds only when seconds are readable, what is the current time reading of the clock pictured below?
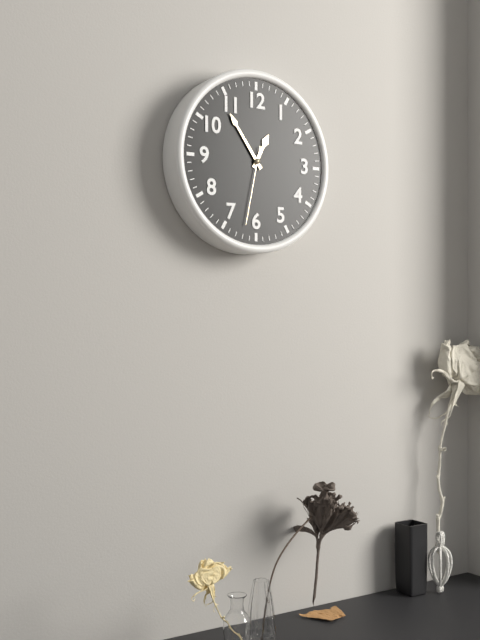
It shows 12.54.32
